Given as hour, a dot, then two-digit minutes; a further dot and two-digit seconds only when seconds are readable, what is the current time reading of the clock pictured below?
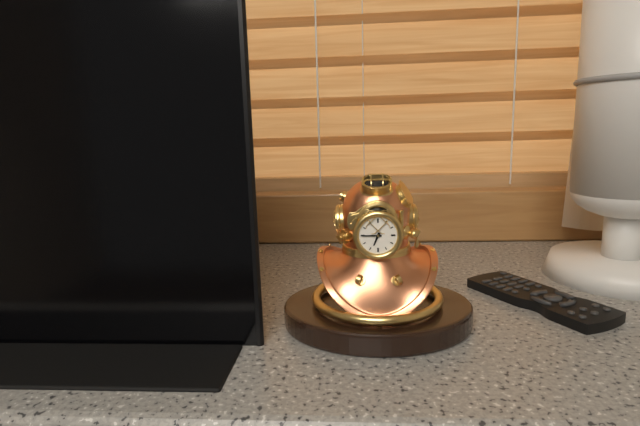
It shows 6.45
